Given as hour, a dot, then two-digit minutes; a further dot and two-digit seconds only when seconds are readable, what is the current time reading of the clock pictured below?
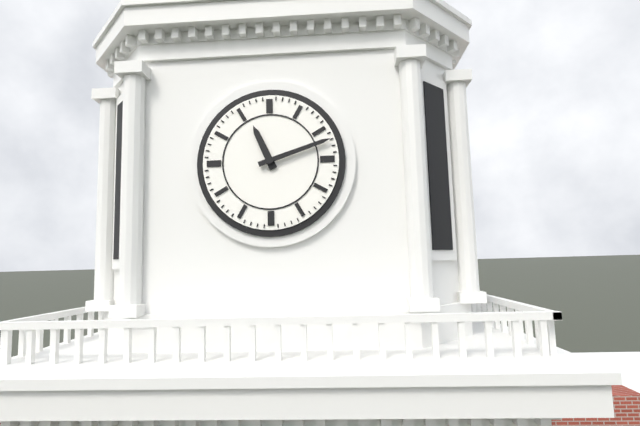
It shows 11.12
